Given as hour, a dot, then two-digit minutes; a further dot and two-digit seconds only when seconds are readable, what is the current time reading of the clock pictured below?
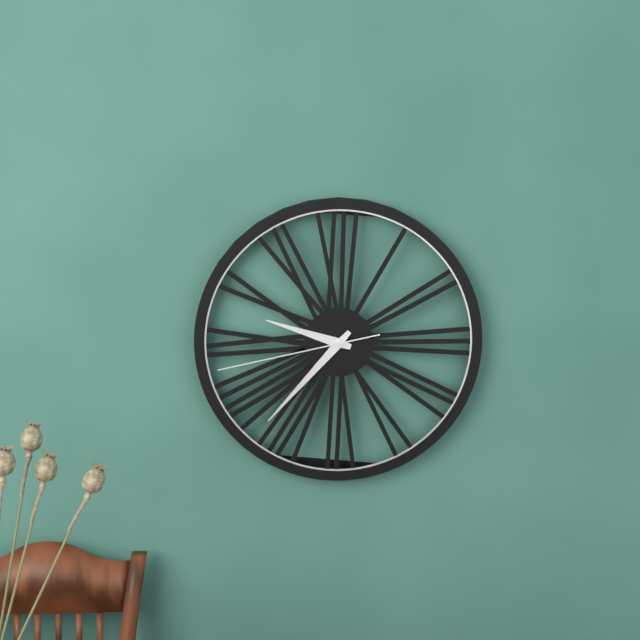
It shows 9.37.43
